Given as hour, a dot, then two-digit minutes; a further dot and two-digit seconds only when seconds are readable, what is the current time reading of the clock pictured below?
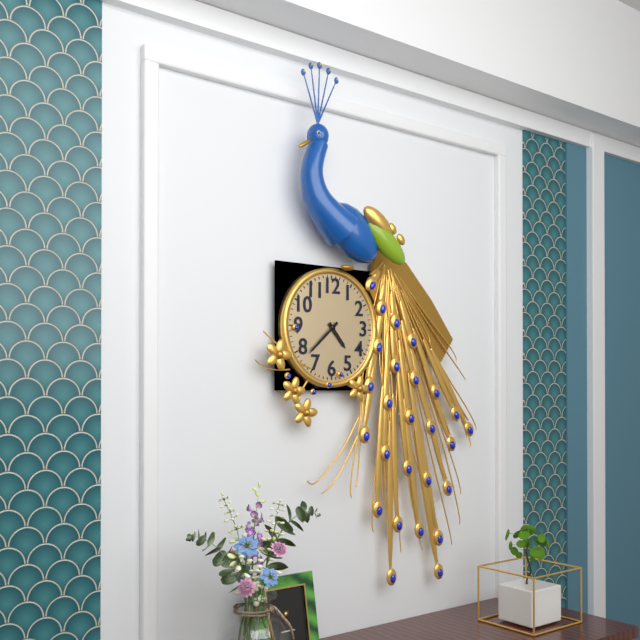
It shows 4.38
